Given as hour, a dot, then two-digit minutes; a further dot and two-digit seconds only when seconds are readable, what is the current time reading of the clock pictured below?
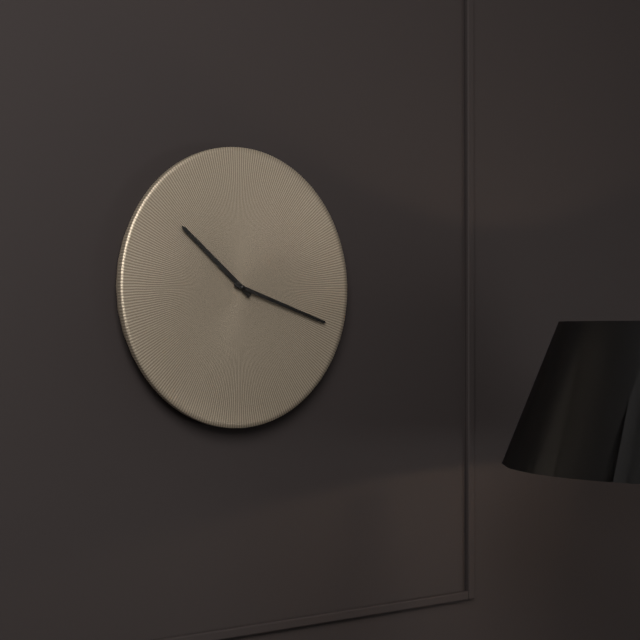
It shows 10.18
